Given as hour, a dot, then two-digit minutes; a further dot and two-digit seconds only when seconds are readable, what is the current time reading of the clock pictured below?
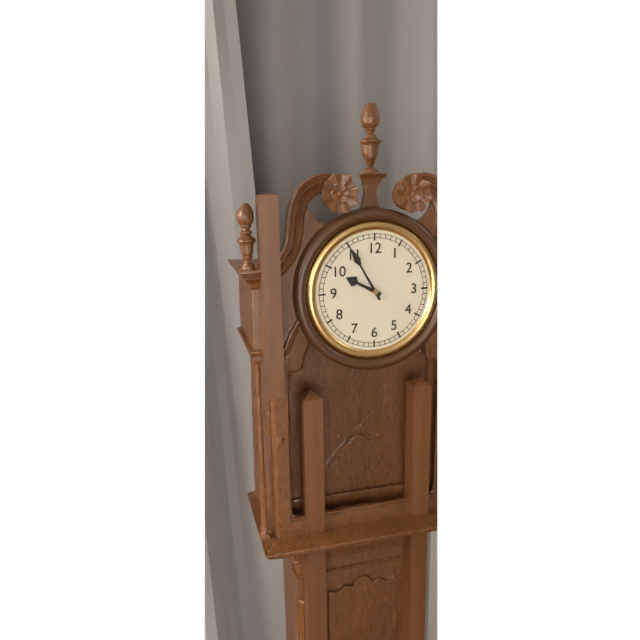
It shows 9.55
